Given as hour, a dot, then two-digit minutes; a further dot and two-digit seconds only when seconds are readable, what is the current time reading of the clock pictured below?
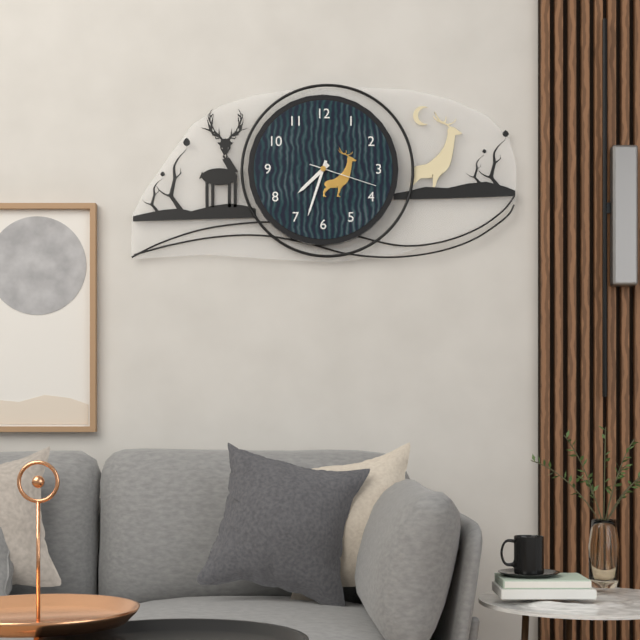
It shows 7.33.18
